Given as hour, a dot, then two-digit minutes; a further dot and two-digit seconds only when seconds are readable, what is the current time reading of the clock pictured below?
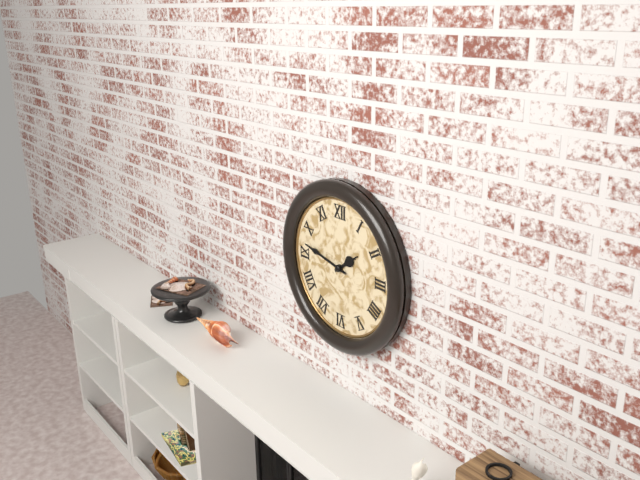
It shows 1.47
